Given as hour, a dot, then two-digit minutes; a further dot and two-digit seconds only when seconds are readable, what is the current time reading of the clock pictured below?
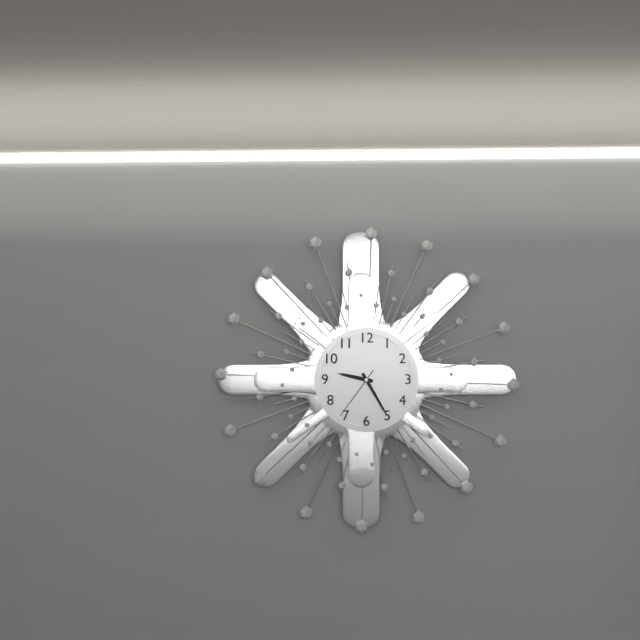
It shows 9.25.36
